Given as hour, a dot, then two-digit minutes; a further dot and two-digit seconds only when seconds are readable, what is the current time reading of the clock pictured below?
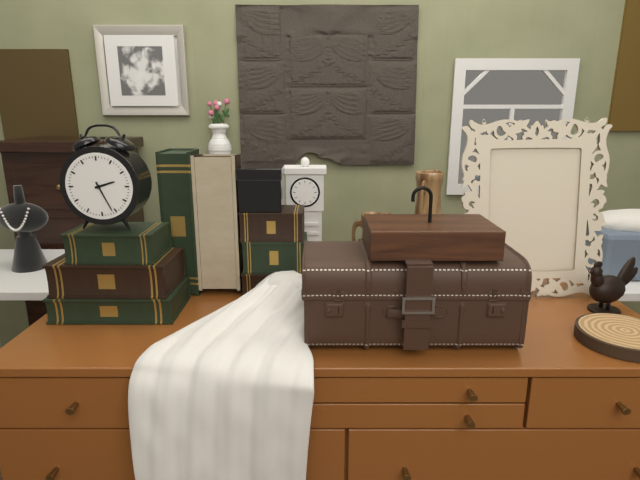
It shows 2.26
